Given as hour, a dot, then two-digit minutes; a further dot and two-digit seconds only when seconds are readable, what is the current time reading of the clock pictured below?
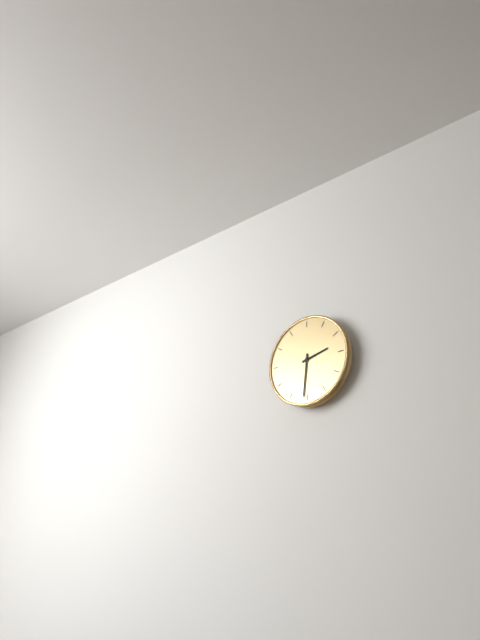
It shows 2.31
